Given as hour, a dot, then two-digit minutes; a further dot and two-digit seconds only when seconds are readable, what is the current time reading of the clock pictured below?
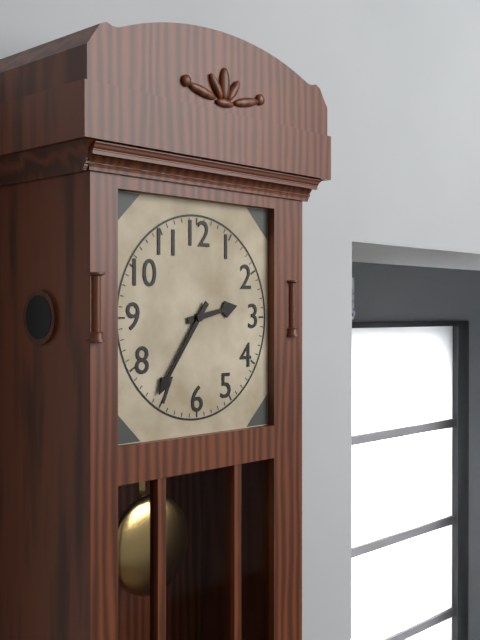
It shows 2.36
